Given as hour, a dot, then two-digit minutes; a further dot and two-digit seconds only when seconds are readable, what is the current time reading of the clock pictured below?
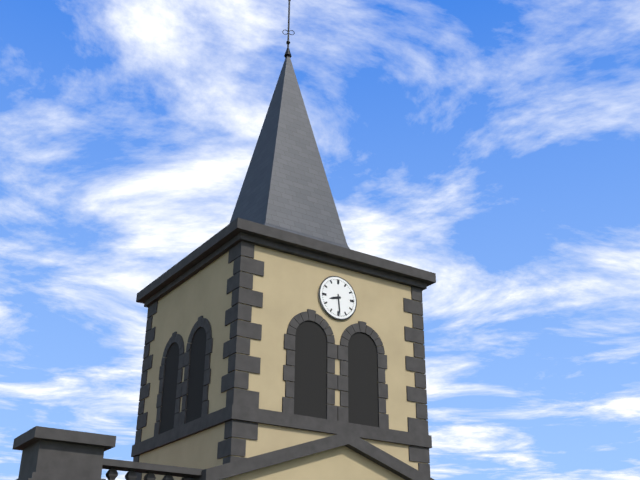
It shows 8.29
